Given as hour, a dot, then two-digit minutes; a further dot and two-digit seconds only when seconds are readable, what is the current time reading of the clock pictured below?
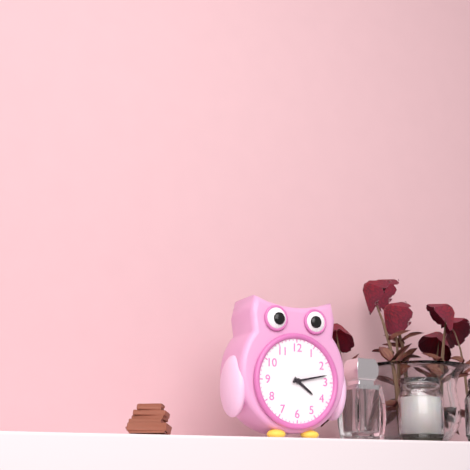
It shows 4.13
